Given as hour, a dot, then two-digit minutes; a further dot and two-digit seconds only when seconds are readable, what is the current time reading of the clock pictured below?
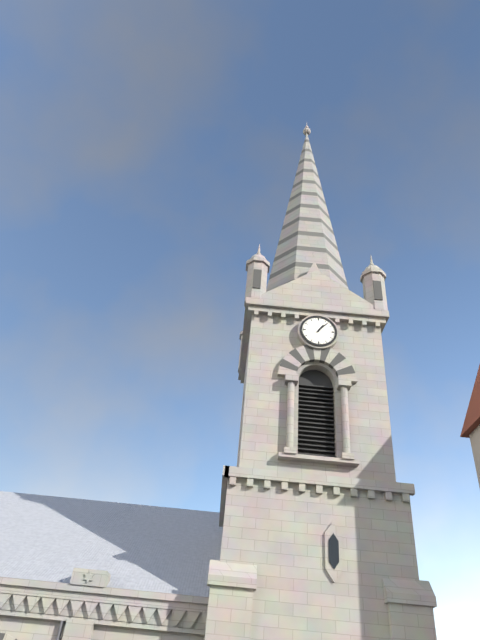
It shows 1.07
